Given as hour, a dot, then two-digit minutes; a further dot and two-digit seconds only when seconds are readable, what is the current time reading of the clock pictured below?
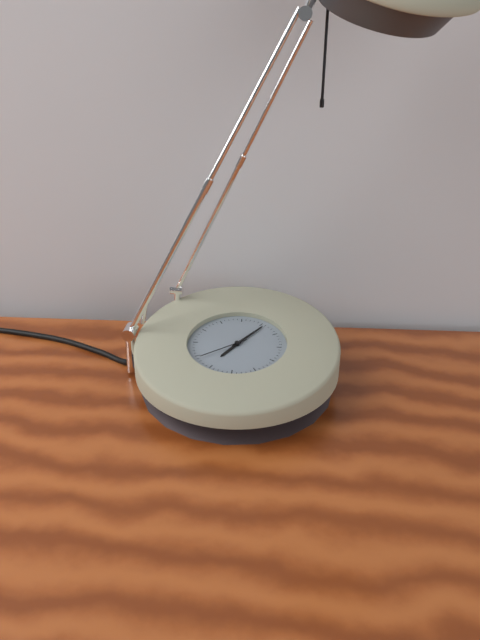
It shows 7.06
